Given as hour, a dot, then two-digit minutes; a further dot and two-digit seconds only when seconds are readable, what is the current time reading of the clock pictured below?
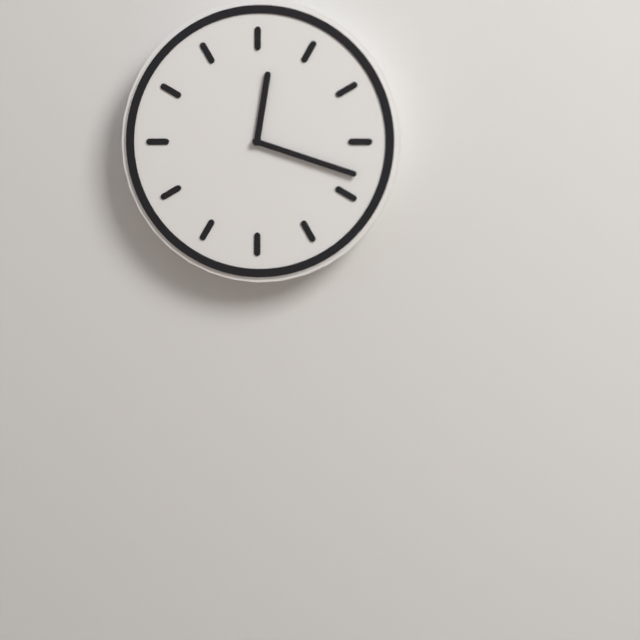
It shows 12.18
